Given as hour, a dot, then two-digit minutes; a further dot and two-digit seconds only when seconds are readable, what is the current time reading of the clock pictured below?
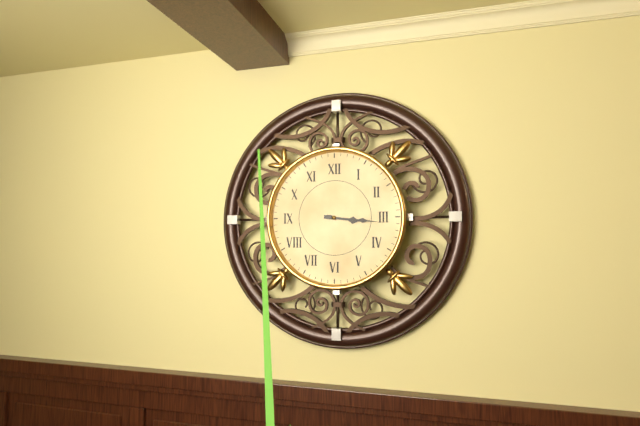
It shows 3.16
